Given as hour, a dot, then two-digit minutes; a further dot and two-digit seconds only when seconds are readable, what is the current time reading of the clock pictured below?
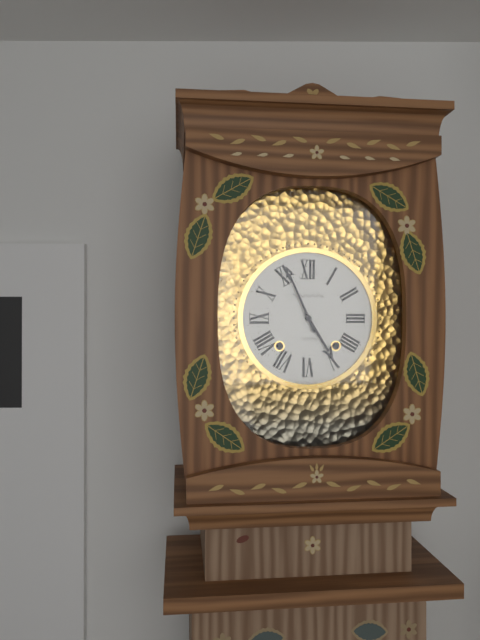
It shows 4.56
